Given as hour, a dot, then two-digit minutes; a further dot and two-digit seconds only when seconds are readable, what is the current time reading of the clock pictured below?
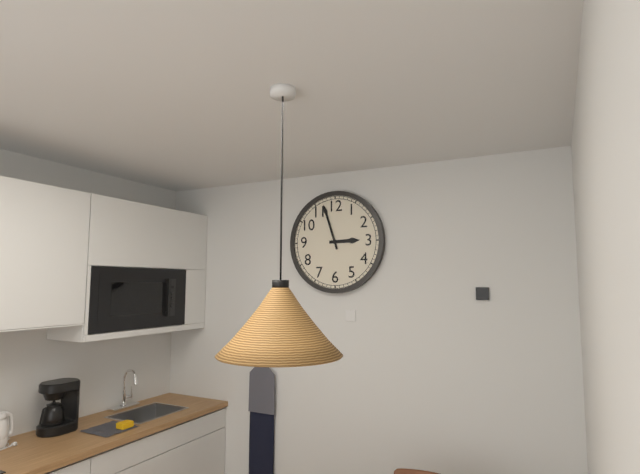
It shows 2.57
